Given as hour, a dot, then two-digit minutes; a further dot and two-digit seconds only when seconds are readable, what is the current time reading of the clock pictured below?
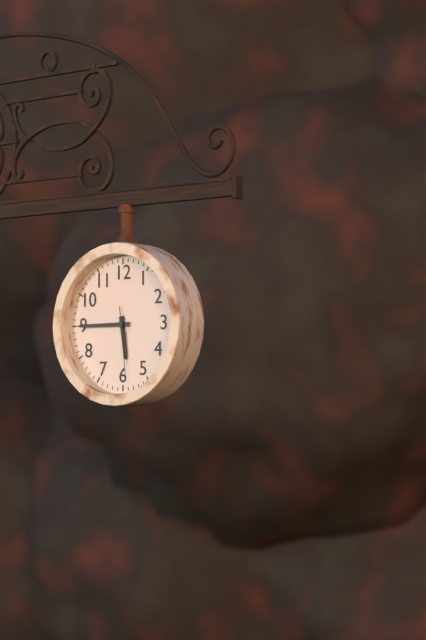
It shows 5.45.29
